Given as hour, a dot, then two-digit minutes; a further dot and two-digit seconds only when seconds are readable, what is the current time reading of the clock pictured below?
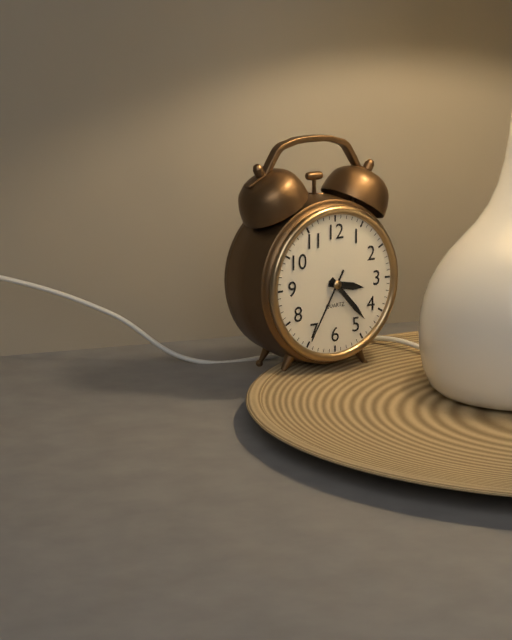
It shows 3.23.35
